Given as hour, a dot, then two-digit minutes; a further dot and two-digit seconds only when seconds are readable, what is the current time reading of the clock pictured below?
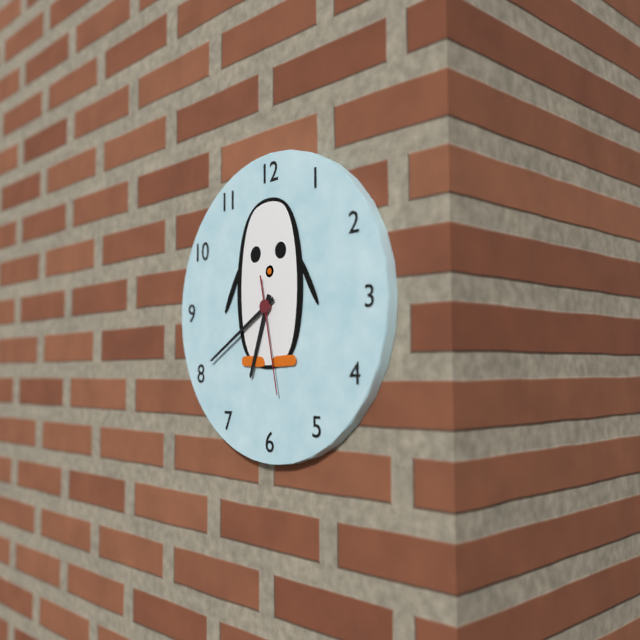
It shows 6.40.28
